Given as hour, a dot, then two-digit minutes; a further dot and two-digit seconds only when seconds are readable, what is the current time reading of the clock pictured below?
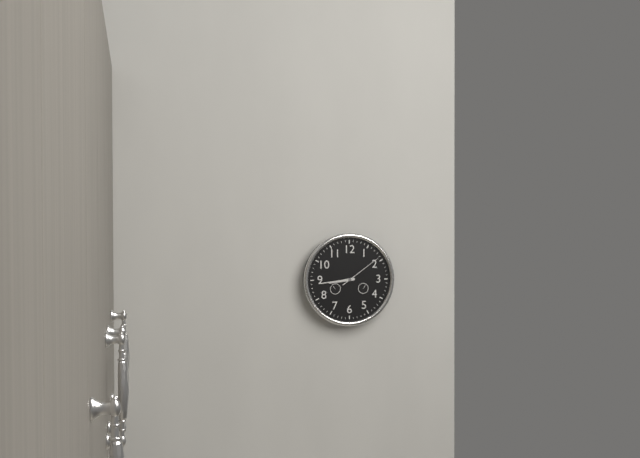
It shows 8.44
